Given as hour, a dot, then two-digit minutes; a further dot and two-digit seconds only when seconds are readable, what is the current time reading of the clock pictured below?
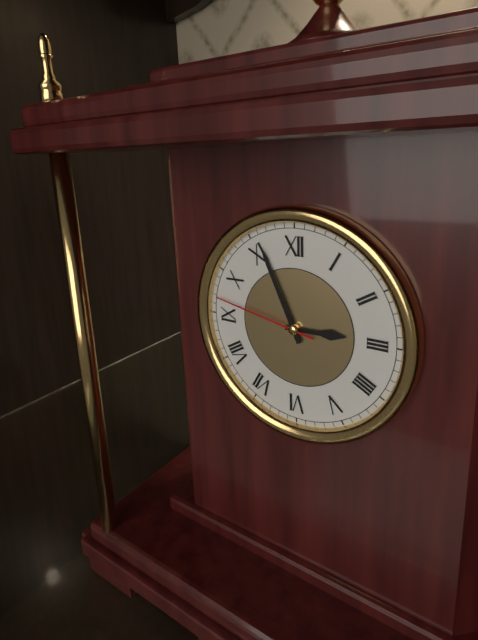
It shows 2.56.47
